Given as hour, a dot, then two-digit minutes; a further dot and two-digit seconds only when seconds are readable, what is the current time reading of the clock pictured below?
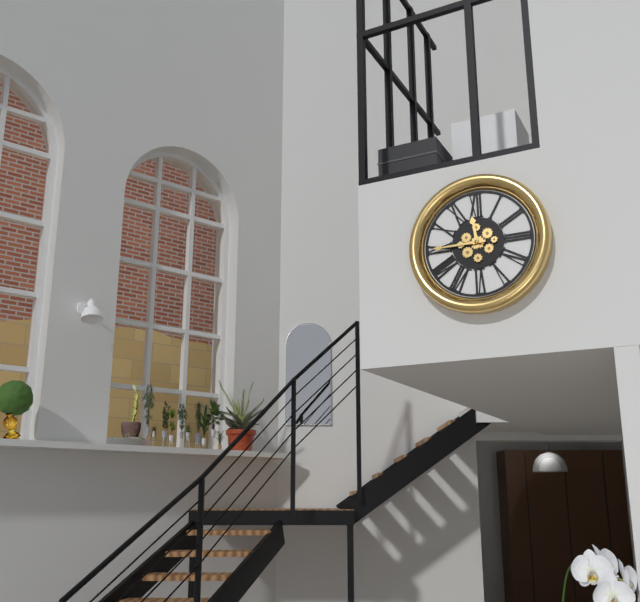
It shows 11.45
